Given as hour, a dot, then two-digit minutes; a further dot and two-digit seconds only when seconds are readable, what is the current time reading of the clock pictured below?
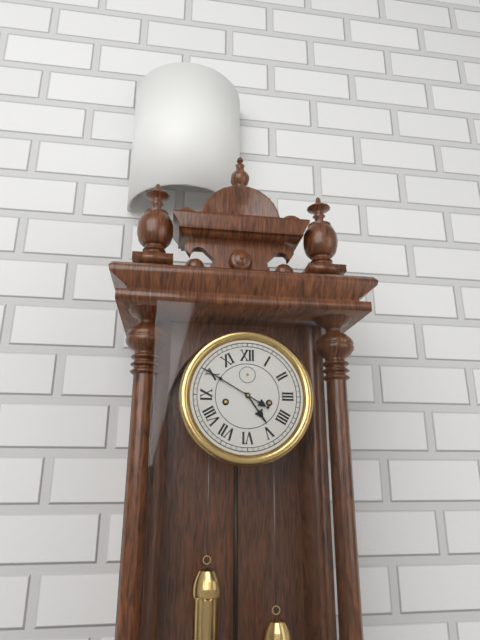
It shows 4.50
